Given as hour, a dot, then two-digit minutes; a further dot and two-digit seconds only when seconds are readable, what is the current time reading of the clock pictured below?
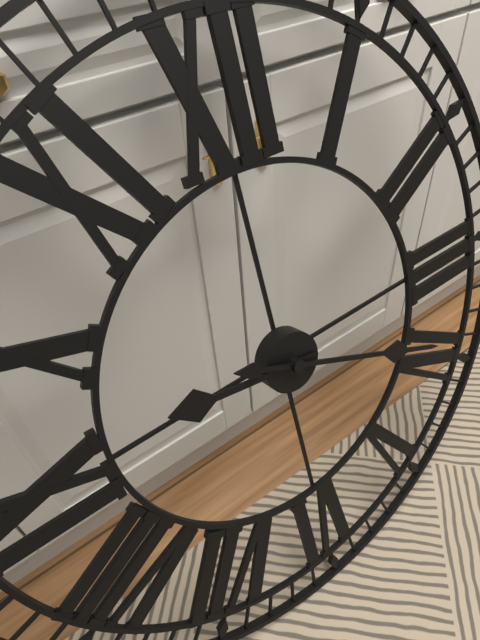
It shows 9.19
